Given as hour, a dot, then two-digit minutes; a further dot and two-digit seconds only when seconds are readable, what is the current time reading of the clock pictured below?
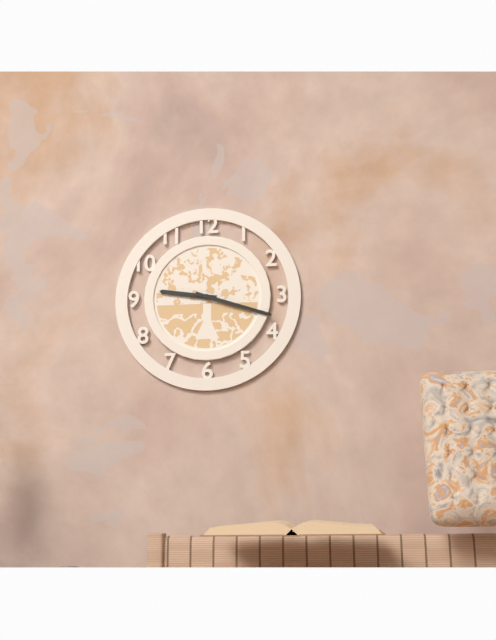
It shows 9.18
